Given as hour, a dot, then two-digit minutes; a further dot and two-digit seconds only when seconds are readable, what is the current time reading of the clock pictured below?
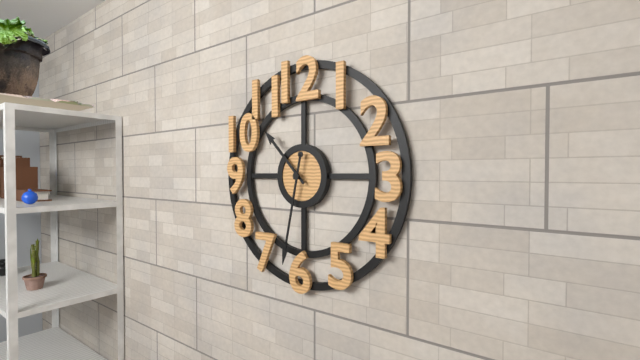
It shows 10.32
